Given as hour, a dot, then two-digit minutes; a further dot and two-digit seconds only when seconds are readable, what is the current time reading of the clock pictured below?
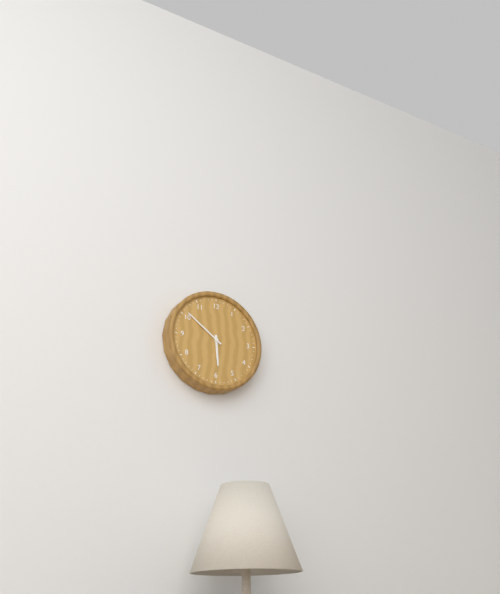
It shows 5.51
